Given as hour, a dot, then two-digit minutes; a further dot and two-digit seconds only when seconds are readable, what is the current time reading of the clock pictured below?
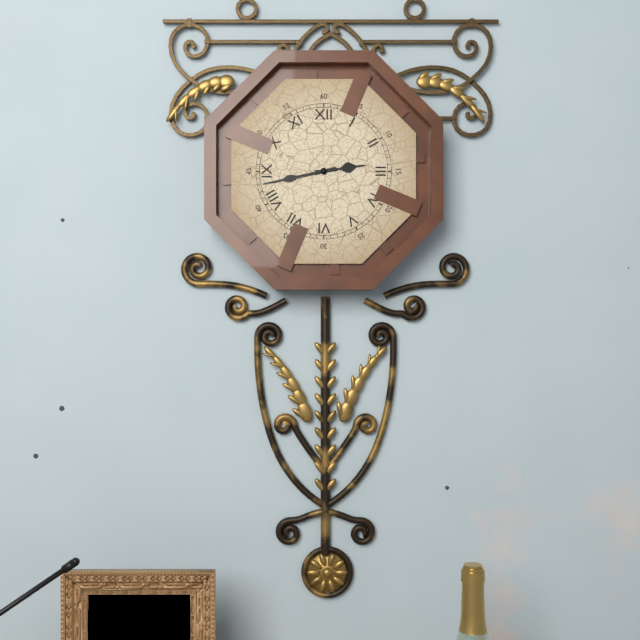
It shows 2.43
